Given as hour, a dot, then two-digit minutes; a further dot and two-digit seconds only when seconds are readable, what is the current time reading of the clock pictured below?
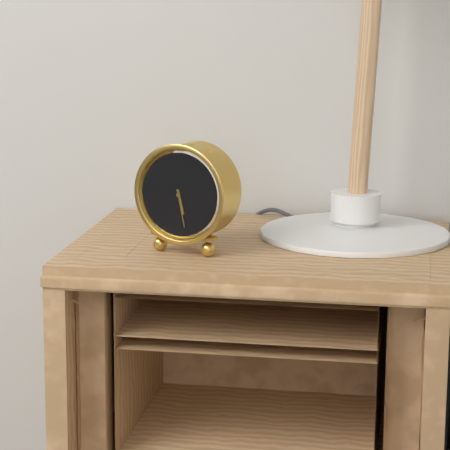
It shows 5.28
